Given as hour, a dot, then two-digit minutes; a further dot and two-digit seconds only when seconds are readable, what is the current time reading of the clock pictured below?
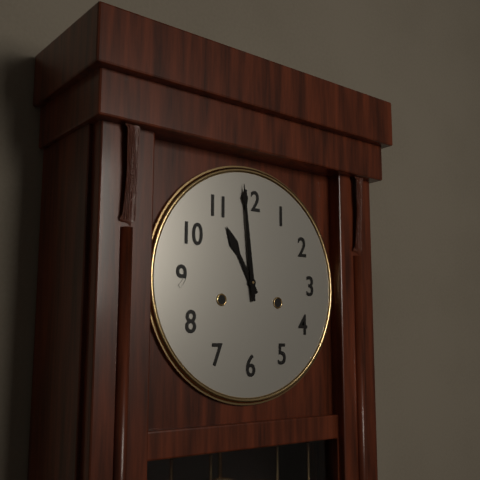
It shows 10.59
